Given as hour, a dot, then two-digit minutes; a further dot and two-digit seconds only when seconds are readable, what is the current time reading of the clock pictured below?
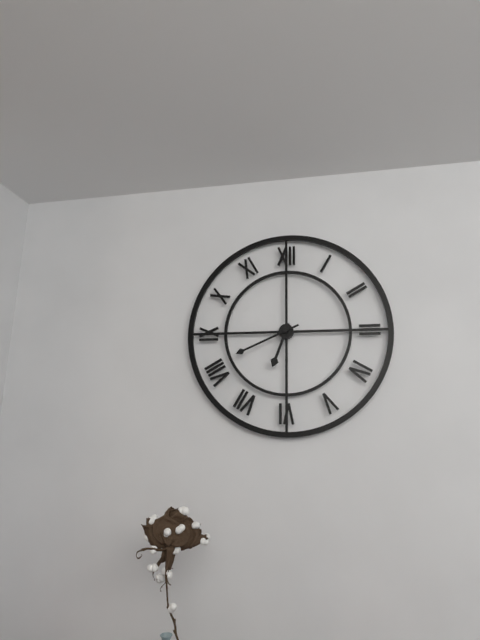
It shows 6.41
